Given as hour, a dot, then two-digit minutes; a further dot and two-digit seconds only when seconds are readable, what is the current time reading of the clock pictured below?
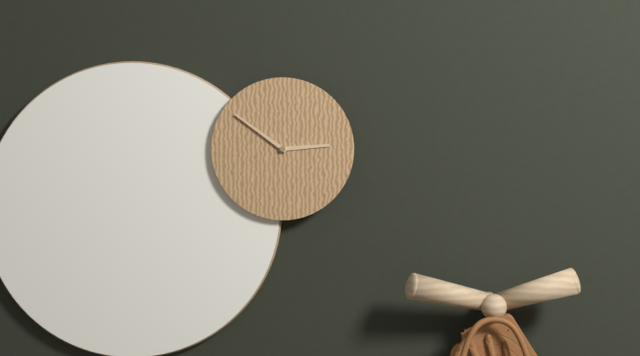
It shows 2.51
